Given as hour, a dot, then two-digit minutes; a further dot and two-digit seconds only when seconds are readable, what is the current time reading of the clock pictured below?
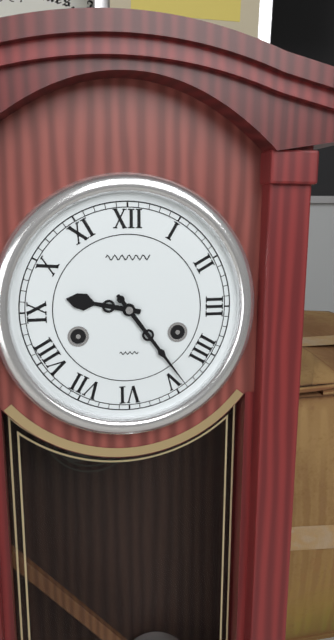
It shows 9.24
